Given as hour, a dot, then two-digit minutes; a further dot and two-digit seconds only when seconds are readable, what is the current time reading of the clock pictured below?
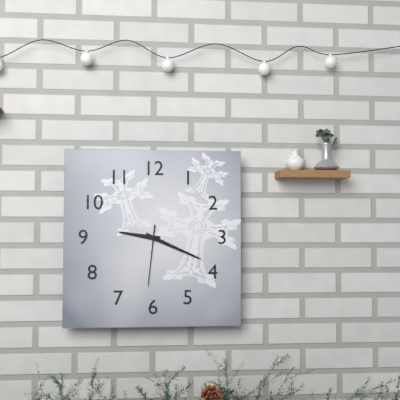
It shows 9.19.31
